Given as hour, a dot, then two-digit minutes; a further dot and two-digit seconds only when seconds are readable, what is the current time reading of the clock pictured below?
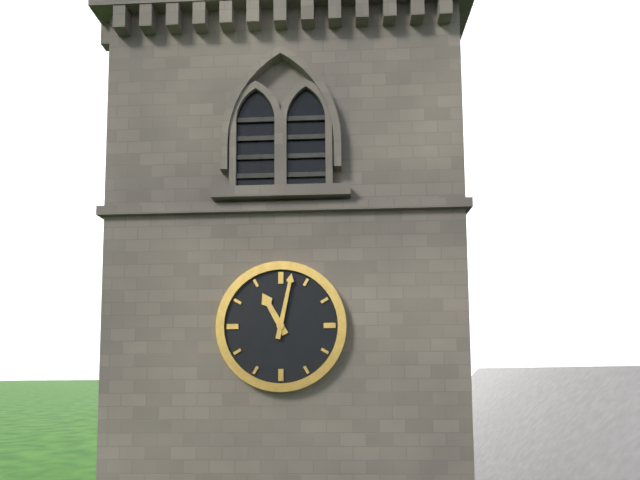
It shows 11.02
